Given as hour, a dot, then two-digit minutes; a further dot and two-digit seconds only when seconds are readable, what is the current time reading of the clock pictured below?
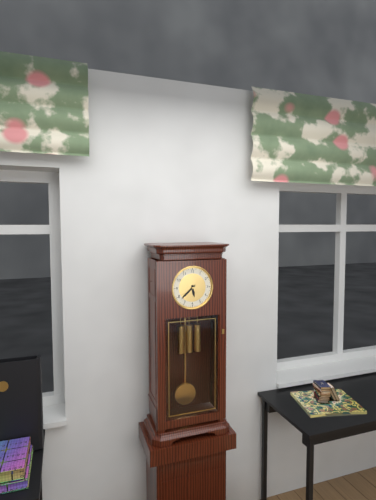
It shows 5.38
